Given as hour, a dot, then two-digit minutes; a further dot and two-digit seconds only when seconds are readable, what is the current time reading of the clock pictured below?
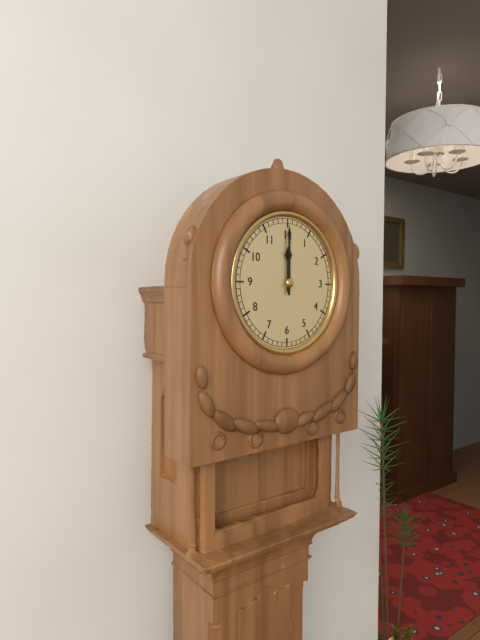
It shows 12.00
